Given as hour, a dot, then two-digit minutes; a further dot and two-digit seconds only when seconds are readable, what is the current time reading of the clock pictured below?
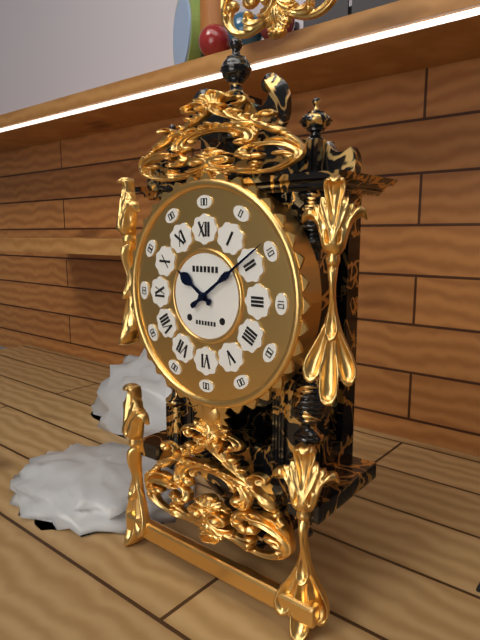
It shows 10.09
